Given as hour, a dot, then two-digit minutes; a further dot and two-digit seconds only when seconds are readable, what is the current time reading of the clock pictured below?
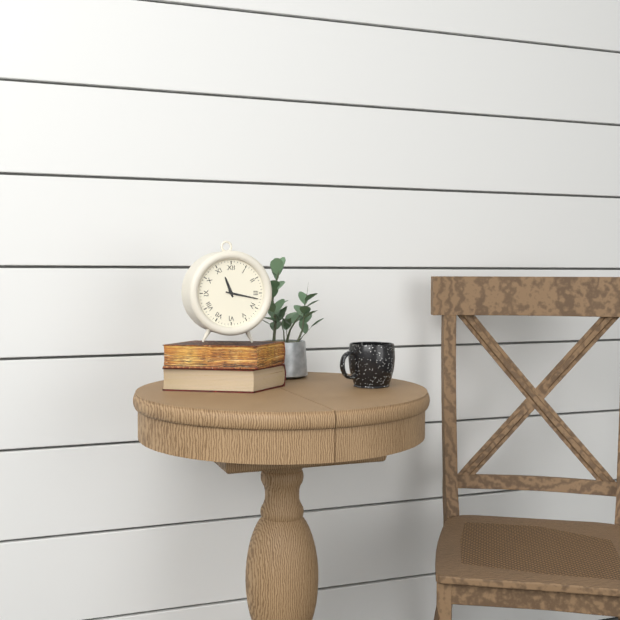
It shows 11.17
